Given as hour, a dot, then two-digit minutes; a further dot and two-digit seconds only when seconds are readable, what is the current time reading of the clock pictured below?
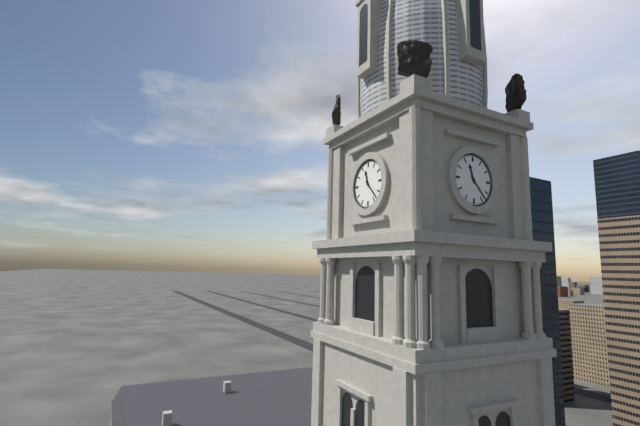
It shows 11.23
